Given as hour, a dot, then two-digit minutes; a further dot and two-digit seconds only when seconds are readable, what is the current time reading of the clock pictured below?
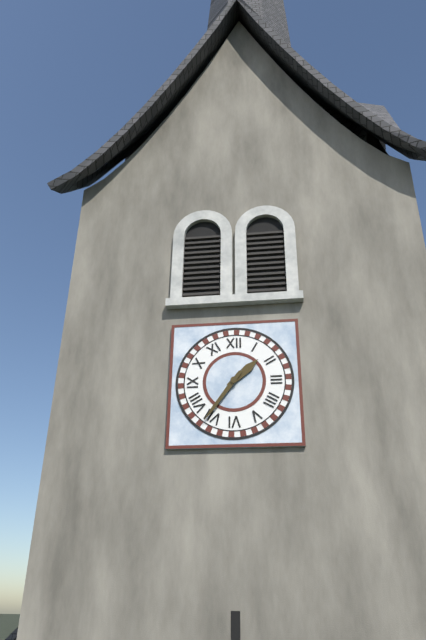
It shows 1.36
